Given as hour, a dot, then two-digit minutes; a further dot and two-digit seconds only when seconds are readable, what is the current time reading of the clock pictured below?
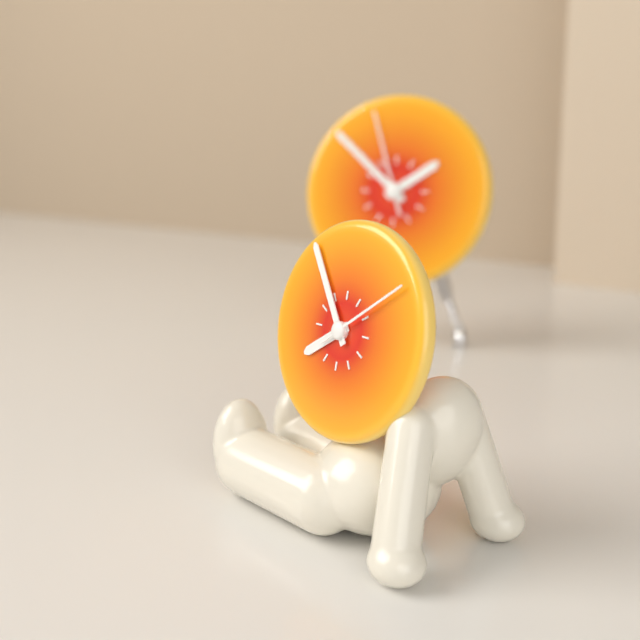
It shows 7.54.09
